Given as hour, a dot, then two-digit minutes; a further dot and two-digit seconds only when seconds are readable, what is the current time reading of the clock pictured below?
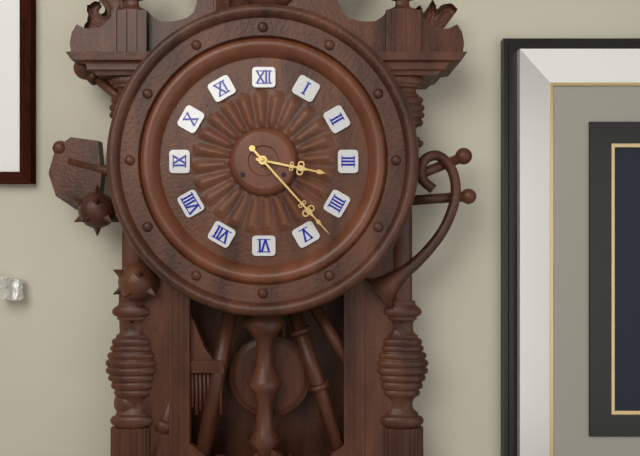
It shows 3.23
